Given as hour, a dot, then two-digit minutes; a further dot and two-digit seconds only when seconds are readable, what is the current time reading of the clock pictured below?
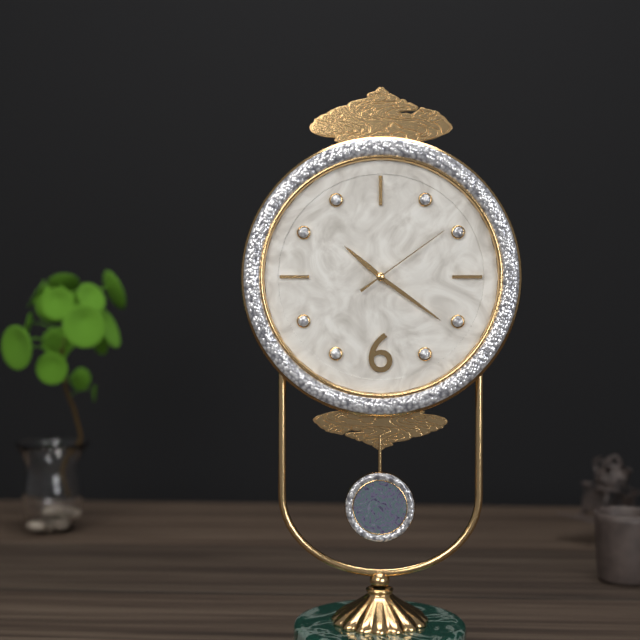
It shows 10.21.09
